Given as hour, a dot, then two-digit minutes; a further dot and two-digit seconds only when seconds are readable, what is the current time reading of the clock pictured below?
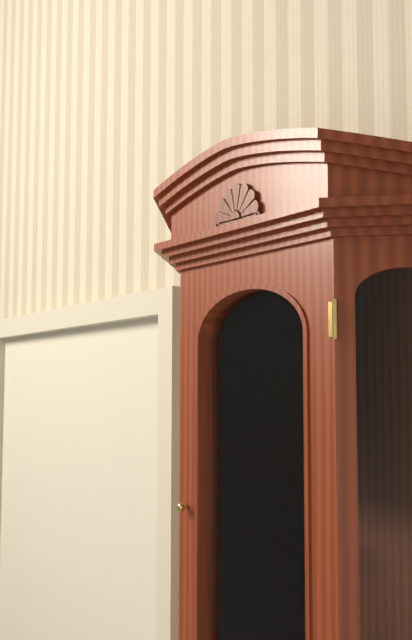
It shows 1.05
